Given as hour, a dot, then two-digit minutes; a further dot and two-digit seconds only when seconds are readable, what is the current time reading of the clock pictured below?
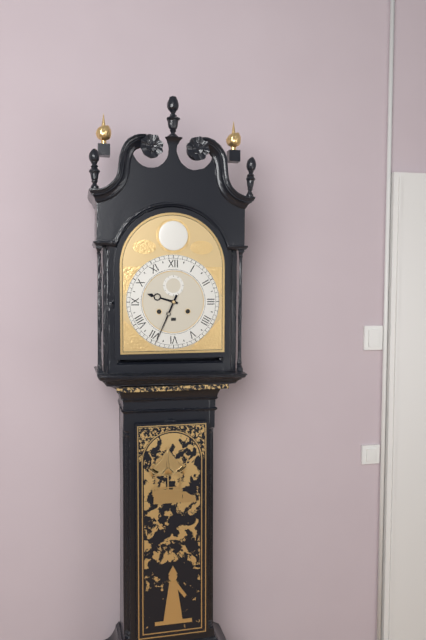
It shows 9.34
